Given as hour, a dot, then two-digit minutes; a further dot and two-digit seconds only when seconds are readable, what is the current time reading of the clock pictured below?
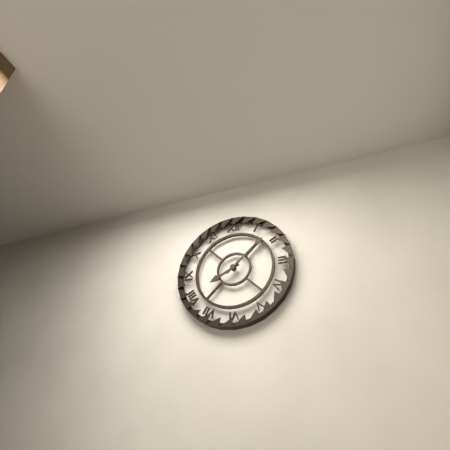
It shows 8.08
